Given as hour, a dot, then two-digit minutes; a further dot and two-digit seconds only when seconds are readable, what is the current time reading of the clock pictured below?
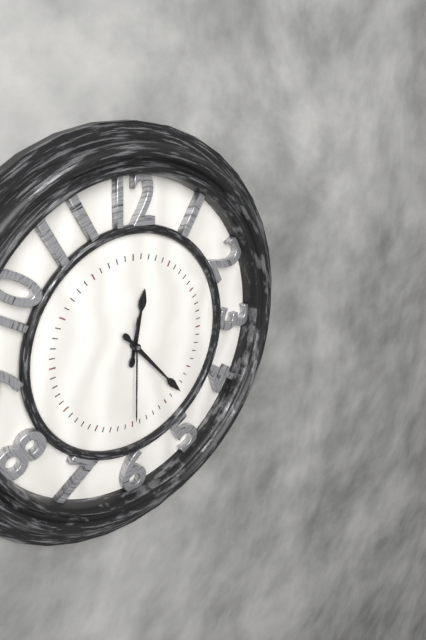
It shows 12.23.30
